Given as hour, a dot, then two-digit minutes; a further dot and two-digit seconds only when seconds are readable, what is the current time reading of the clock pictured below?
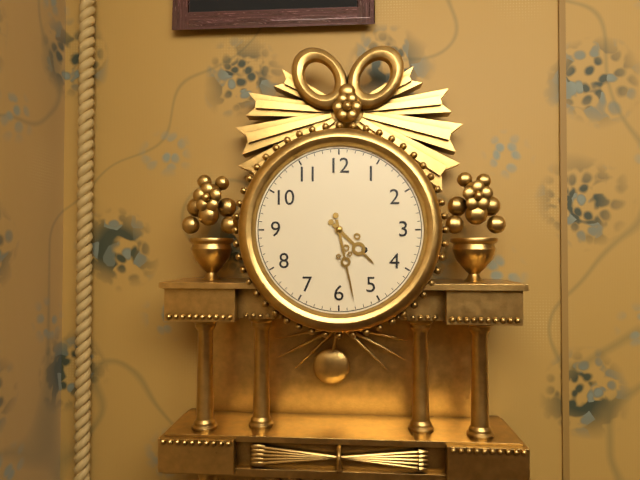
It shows 4.28
